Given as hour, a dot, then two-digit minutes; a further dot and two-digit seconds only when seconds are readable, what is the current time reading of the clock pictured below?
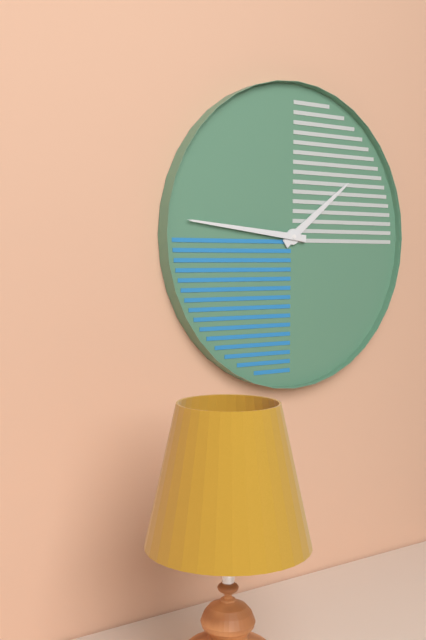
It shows 1.46
